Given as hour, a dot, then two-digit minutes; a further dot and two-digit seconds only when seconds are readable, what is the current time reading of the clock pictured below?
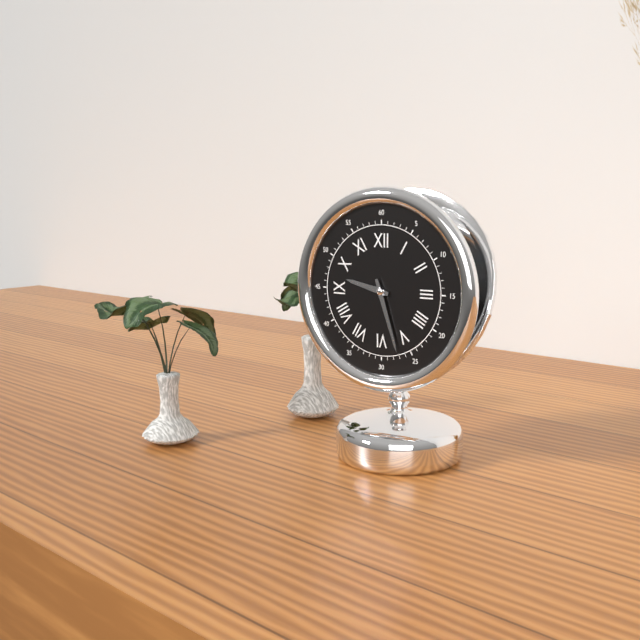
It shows 9.27
